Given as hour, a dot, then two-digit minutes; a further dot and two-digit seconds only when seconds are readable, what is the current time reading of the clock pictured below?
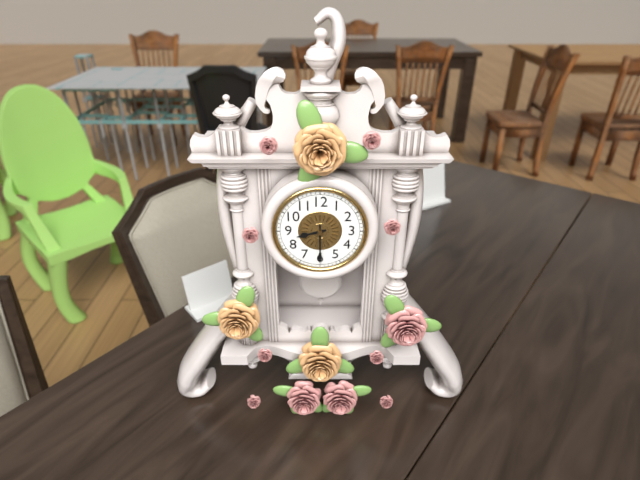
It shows 8.30
